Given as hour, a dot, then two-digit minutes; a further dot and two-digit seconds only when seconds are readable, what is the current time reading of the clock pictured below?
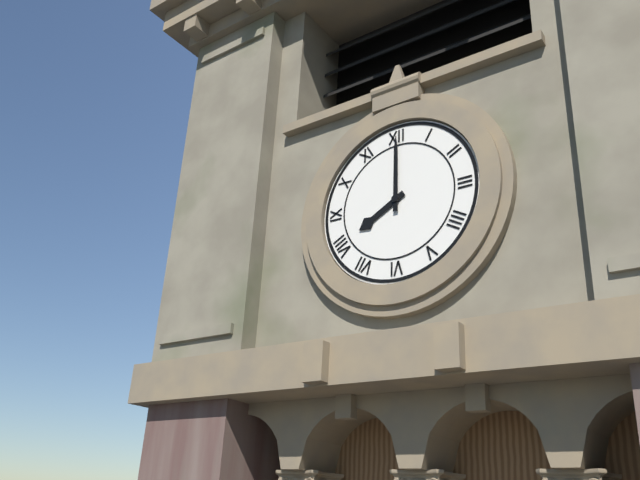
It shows 8.00
